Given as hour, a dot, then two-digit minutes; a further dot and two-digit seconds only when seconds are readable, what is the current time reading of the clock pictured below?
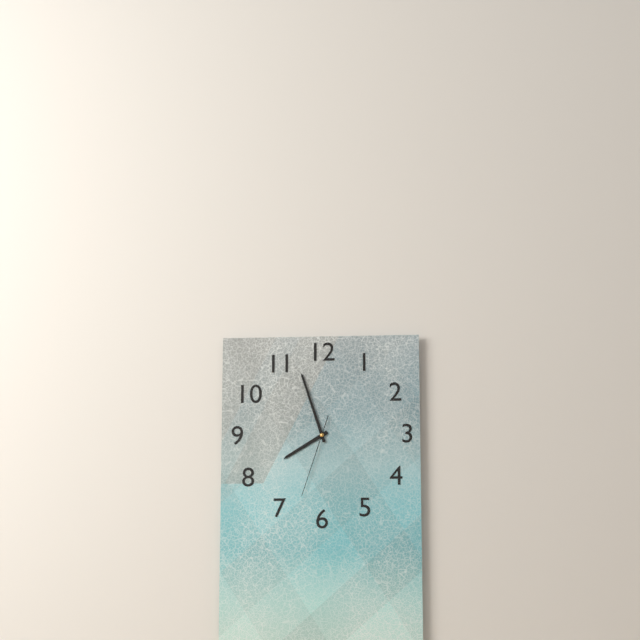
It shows 7.57.33
